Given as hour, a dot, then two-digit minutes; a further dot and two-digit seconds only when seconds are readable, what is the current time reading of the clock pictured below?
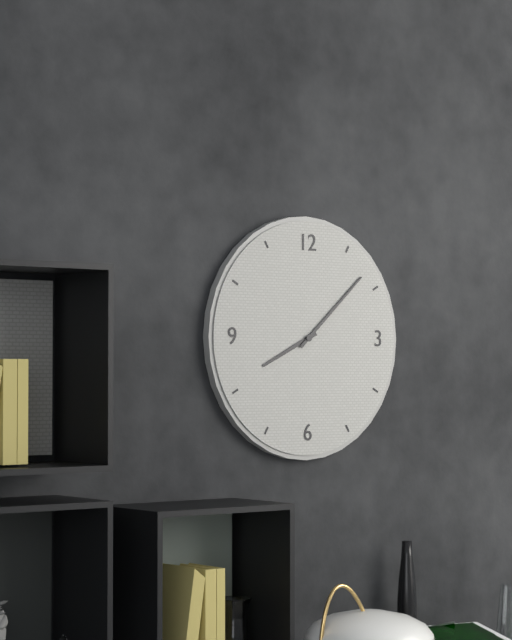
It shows 8.08
